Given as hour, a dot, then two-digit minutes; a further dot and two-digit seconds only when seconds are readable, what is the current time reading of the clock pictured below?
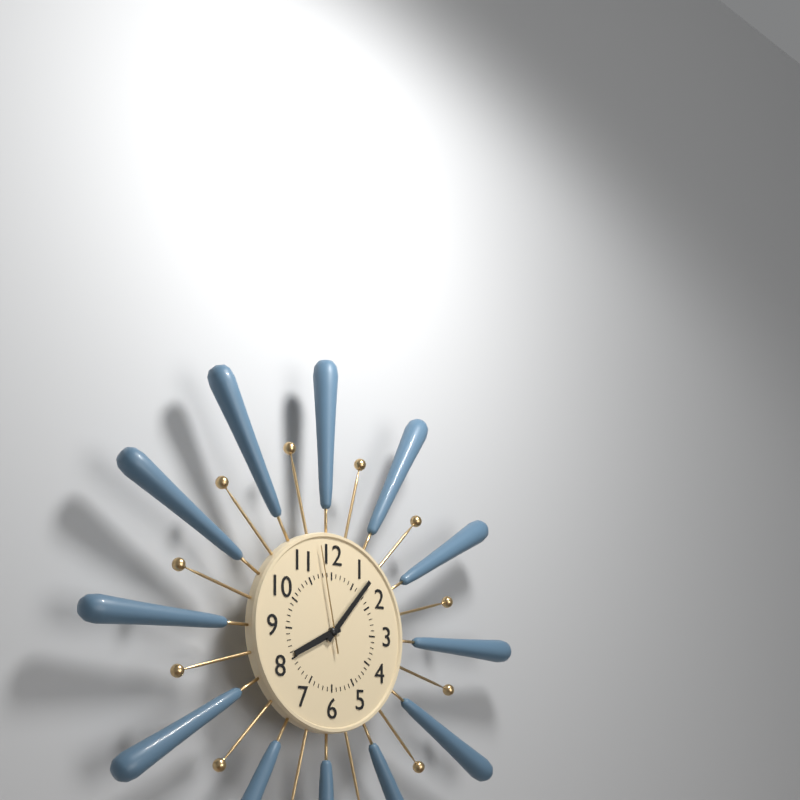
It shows 8.07.58
